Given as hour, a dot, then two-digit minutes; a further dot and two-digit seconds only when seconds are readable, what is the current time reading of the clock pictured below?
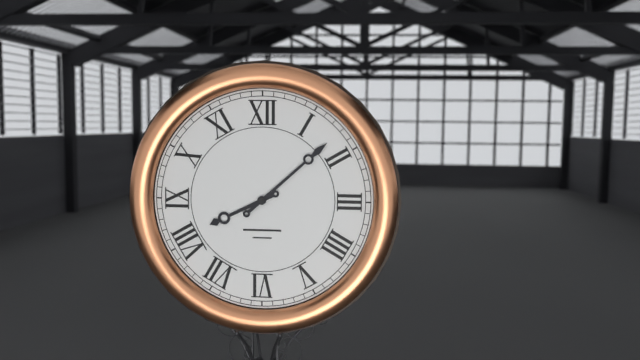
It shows 8.08
